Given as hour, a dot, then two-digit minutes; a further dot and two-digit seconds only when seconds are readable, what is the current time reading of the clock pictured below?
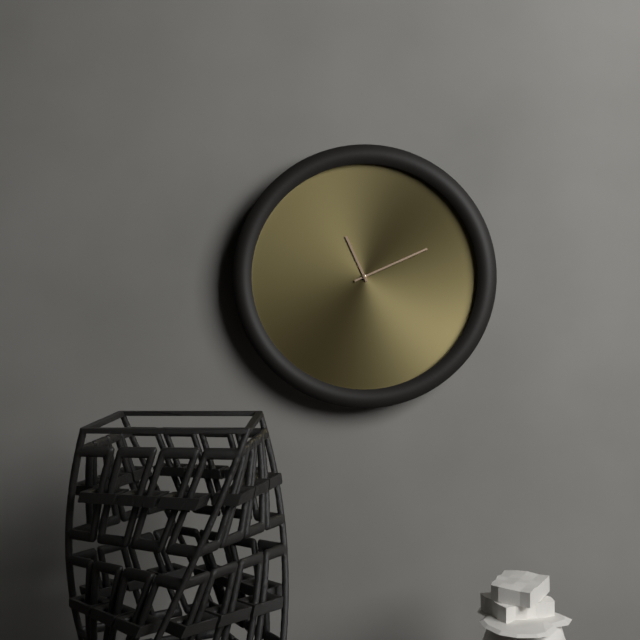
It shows 11.11
